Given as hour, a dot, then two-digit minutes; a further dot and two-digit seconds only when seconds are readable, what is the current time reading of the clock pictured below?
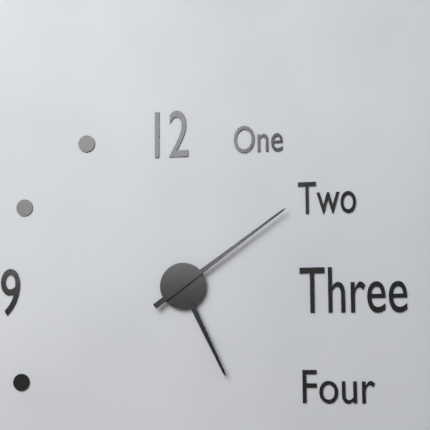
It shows 5.09
